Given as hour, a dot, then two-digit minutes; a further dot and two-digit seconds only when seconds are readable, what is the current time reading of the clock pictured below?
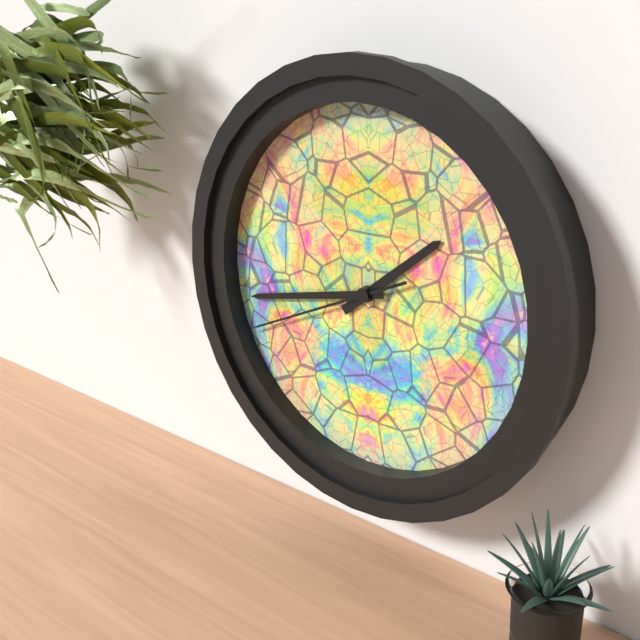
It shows 1.43.41
